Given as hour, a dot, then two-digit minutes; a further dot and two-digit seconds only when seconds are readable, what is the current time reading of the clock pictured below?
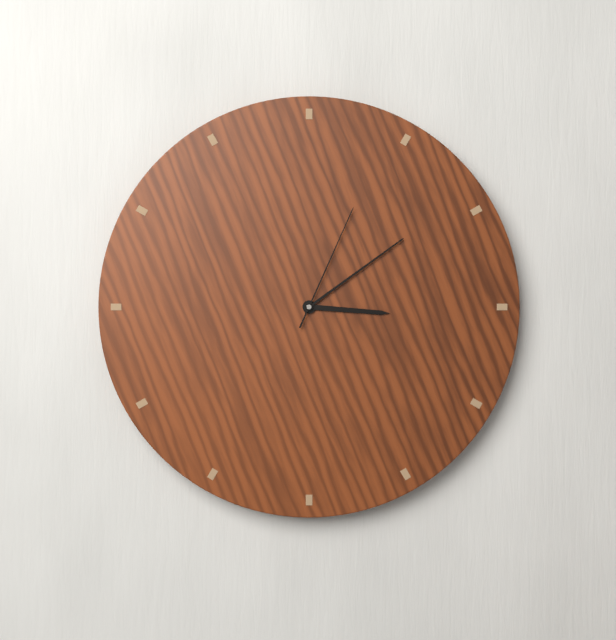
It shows 3.09.04
